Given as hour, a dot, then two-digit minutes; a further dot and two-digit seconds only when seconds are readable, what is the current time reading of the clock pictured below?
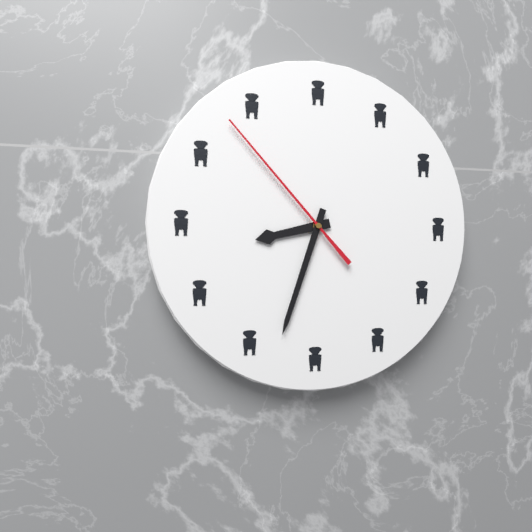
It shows 8.33.53
